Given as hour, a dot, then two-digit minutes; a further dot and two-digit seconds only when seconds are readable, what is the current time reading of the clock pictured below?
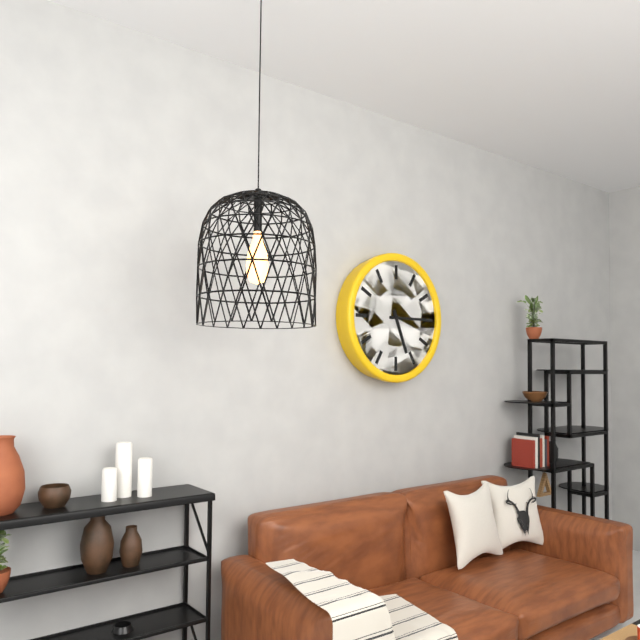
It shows 5.15
